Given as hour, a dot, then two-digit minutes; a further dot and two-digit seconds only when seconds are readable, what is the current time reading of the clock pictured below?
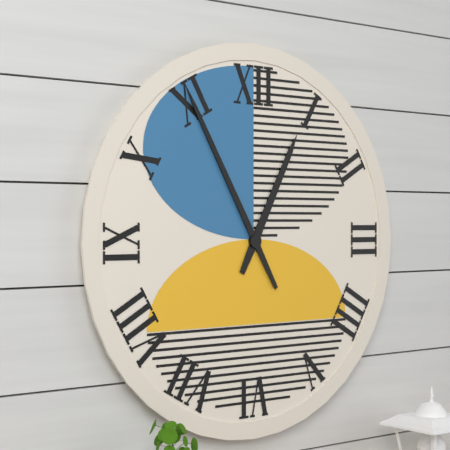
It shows 12.55
